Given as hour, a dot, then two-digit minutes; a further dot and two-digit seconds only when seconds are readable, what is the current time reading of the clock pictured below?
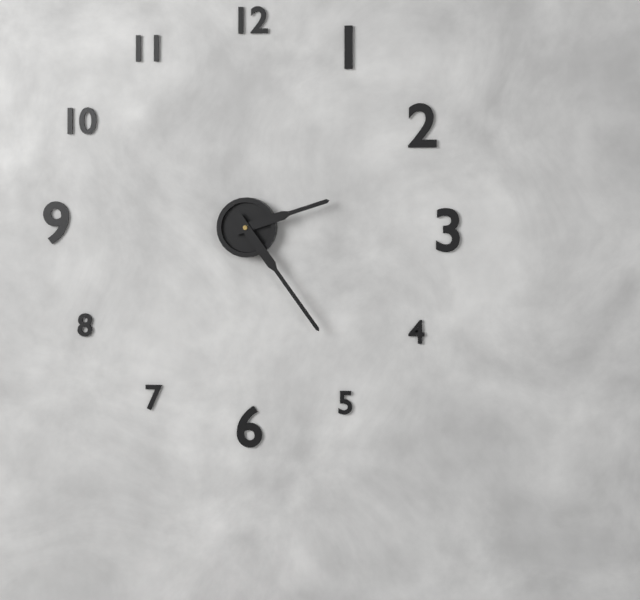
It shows 2.24
